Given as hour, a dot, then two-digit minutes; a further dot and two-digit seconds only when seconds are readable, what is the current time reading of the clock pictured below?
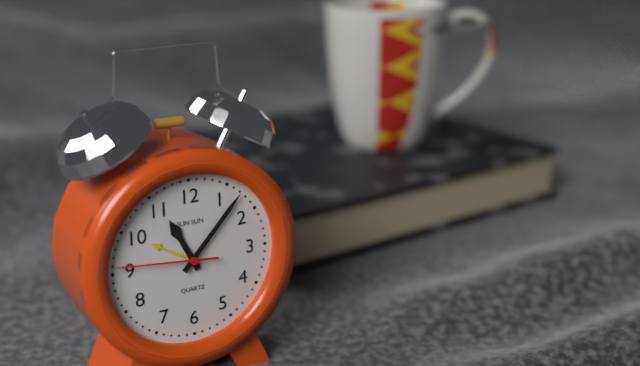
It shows 11.07.46
